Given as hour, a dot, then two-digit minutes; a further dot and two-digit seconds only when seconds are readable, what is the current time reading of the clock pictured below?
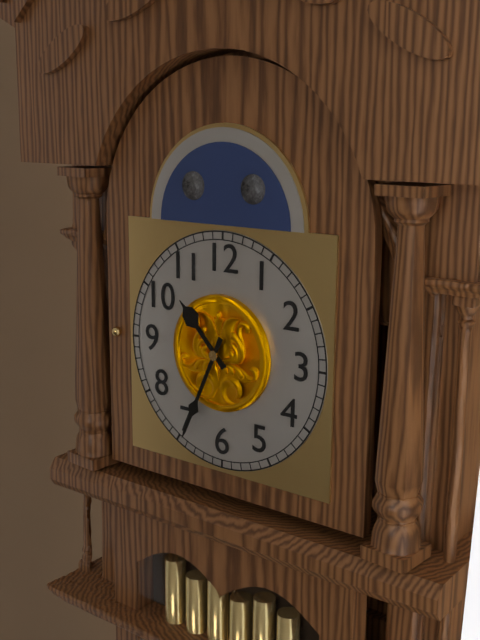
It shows 10.34
